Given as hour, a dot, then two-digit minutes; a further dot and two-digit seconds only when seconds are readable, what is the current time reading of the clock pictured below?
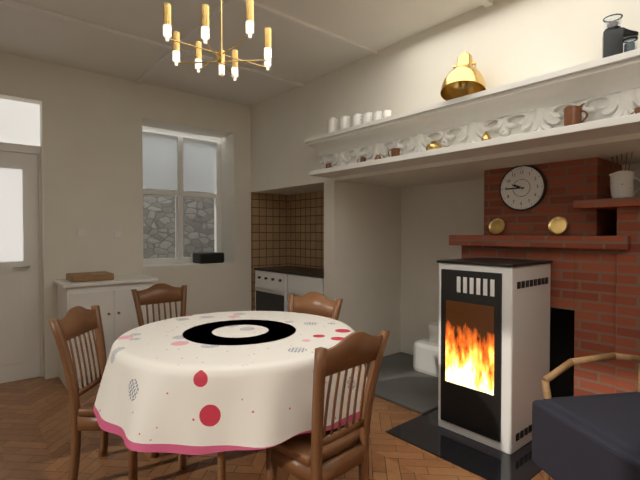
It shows 9.45
